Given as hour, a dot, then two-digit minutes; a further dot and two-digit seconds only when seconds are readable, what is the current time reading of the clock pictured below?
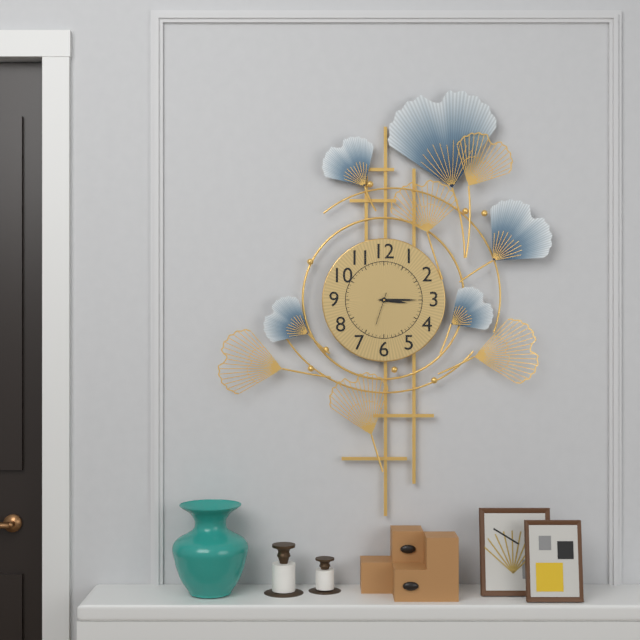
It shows 3.15
